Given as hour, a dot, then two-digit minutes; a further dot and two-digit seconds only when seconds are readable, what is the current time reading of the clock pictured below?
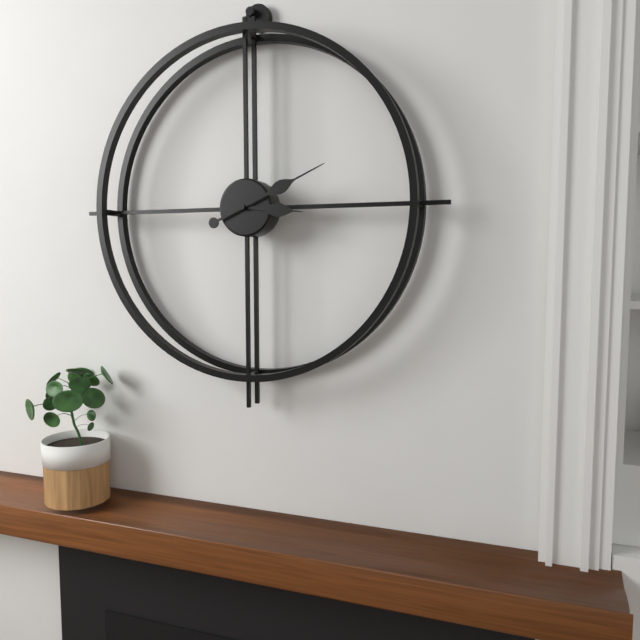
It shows 3.11
